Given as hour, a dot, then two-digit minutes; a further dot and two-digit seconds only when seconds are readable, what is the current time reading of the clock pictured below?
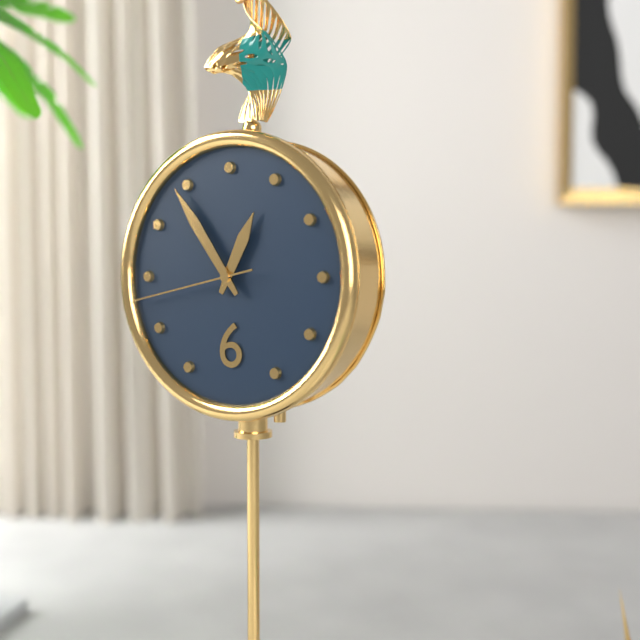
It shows 12.54.43
